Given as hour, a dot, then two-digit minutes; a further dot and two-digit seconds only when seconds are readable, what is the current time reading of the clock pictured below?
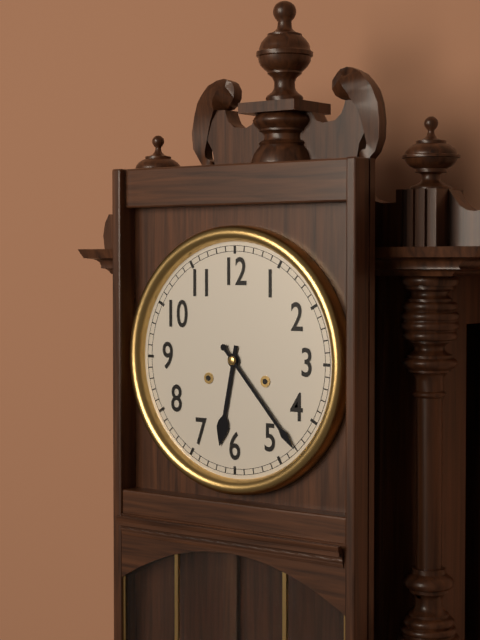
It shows 6.23
